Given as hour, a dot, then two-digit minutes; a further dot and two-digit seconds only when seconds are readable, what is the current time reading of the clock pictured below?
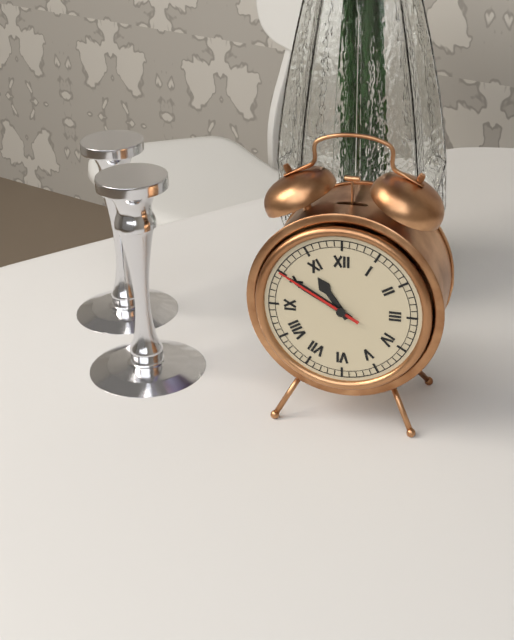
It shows 10.50.50
